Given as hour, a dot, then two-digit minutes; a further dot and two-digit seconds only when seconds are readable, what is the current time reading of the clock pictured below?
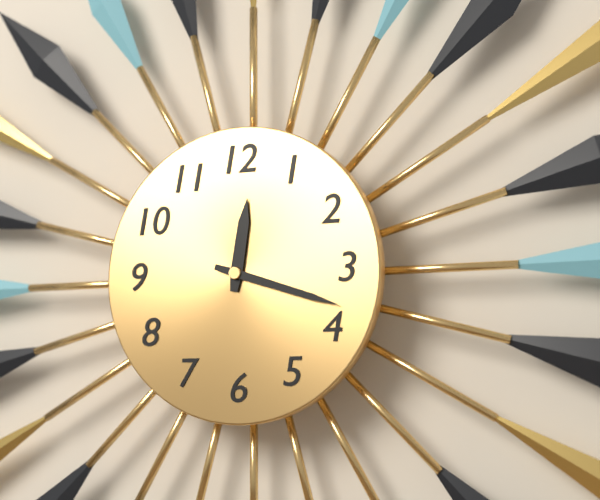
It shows 12.18
